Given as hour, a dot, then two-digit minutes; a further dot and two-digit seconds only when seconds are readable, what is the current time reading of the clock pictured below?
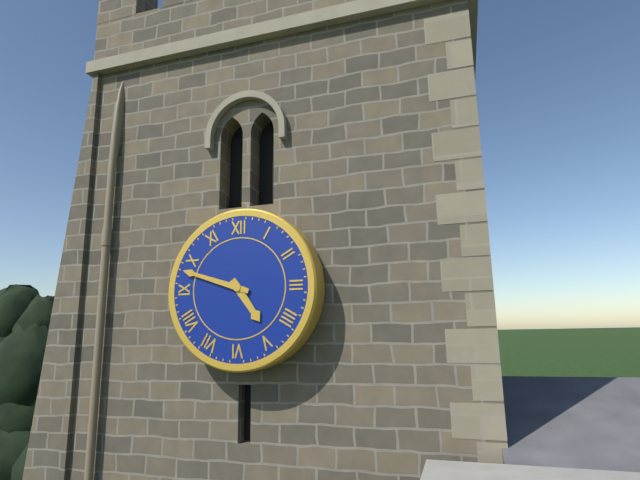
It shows 4.48
